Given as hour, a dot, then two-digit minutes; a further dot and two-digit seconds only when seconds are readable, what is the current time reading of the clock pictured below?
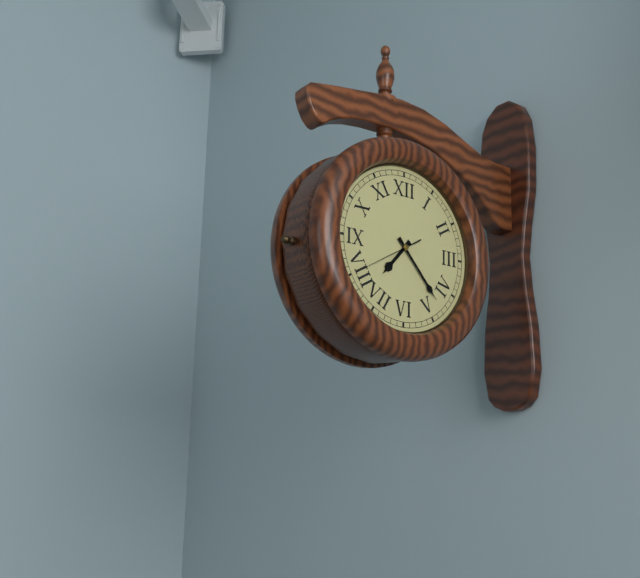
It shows 7.23.40
